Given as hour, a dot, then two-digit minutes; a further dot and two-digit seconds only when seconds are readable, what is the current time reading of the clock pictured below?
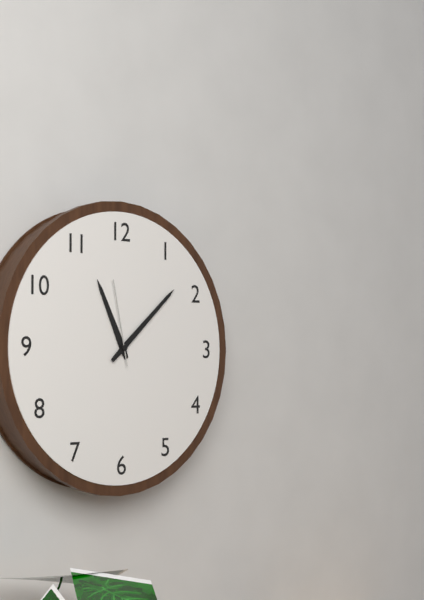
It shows 11.08.58
